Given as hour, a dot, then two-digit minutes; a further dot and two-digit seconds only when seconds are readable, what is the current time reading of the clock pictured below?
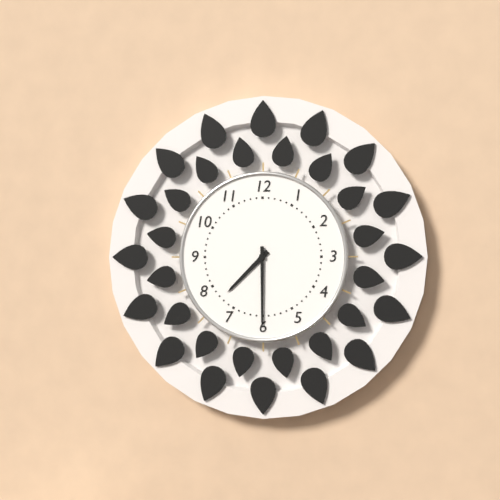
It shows 7.30
